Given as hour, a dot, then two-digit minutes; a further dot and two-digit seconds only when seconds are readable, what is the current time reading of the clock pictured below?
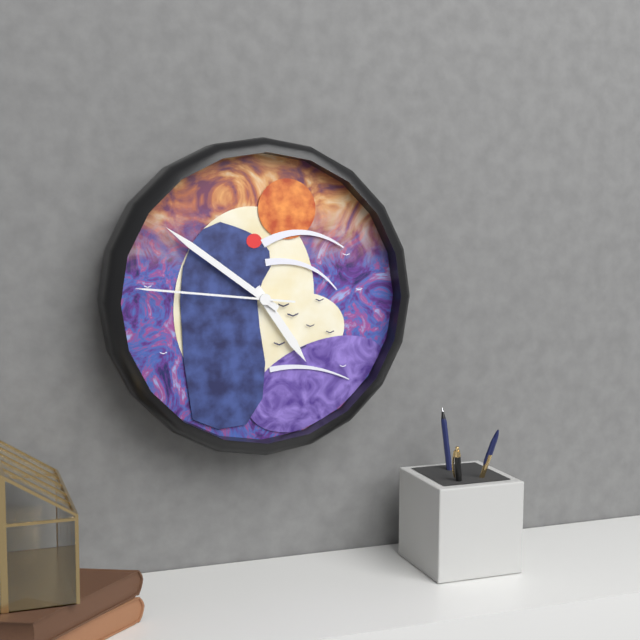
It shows 4.51.46
